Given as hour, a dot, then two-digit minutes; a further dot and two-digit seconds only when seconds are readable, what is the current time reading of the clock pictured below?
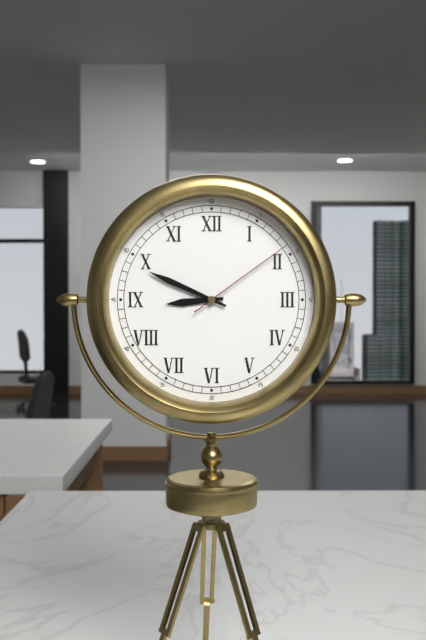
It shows 8.49.09
